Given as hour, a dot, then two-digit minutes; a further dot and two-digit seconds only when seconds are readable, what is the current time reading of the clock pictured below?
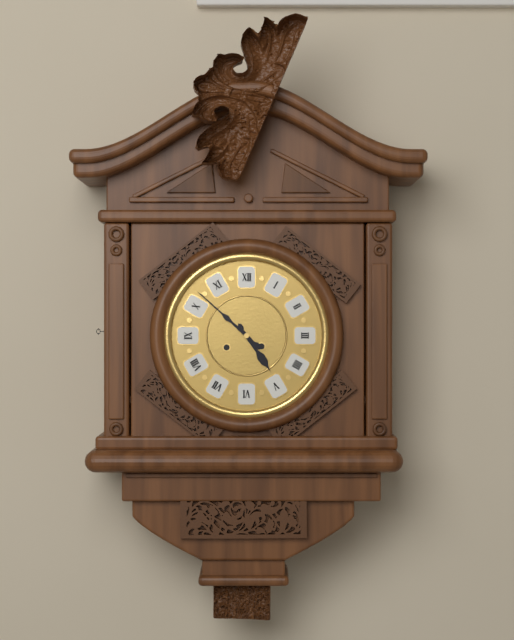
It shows 4.52
